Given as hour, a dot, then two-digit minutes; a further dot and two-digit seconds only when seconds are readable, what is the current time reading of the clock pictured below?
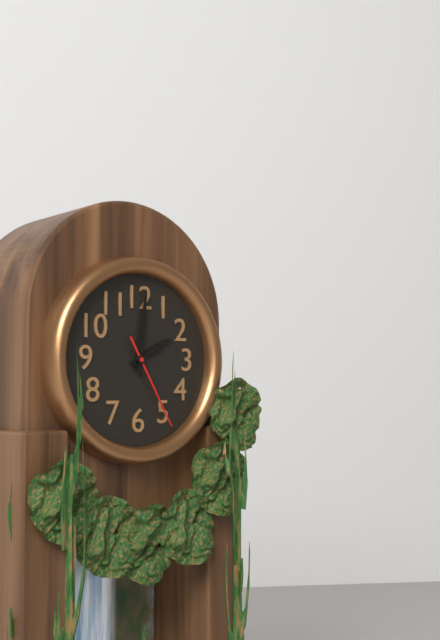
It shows 2.01.25
